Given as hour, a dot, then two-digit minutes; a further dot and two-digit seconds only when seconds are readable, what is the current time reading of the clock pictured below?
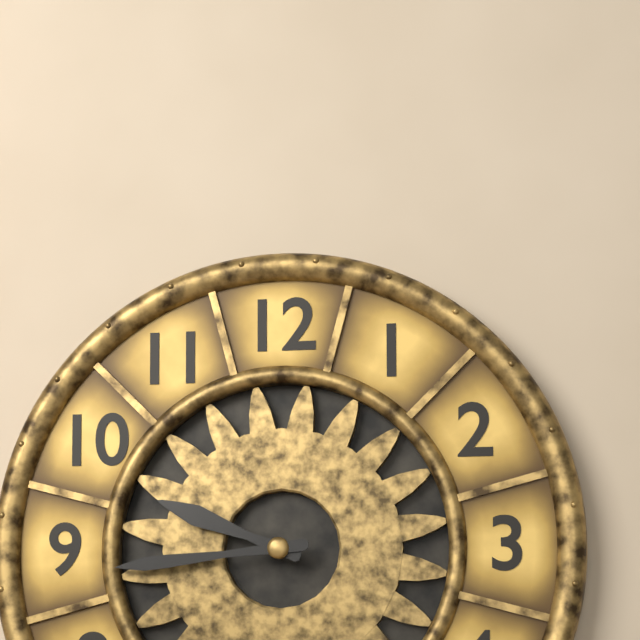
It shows 9.44
